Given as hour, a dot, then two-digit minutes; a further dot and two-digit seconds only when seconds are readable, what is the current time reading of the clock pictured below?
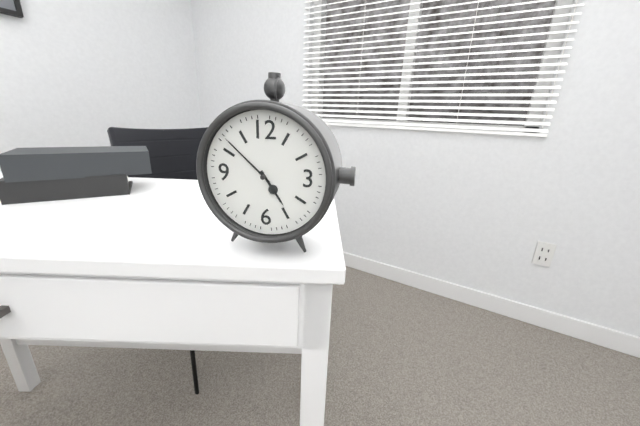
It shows 4.52
